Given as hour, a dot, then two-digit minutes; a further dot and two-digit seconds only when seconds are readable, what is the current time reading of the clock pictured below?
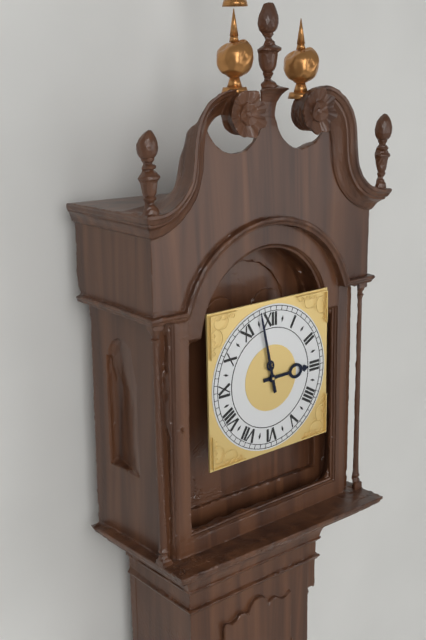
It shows 2.58
